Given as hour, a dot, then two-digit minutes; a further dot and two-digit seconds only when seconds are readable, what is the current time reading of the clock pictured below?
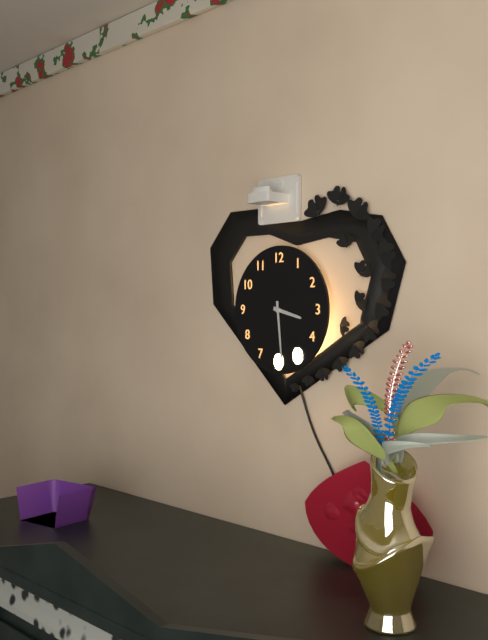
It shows 3.29
